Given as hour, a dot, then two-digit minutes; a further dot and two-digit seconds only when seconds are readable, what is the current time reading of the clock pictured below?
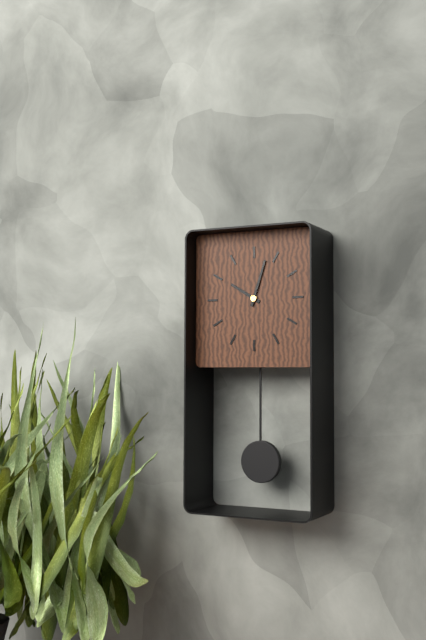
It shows 10.03
